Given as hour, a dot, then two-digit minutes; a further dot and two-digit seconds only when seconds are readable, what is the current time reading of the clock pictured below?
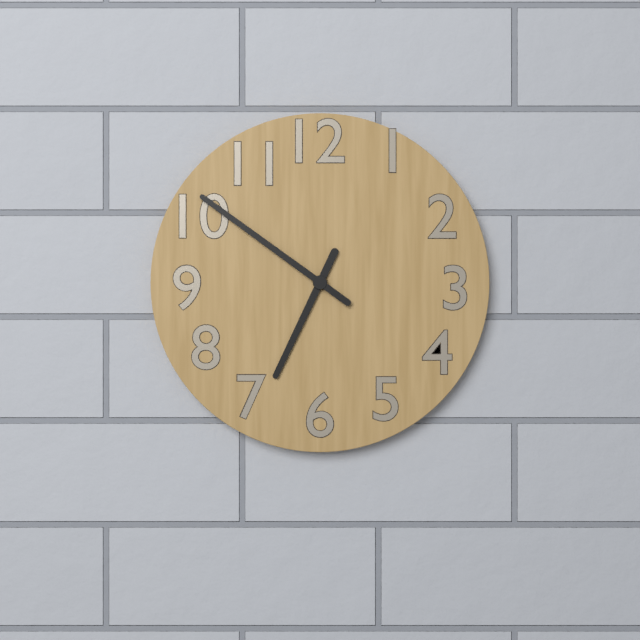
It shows 6.51
